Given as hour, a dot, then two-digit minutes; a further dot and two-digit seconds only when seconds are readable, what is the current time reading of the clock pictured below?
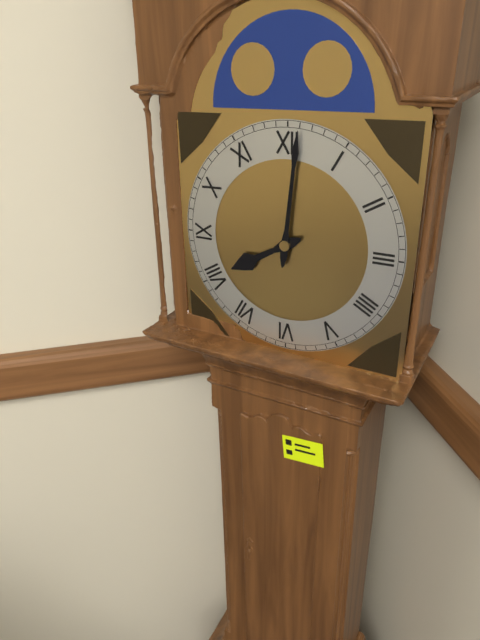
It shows 8.01
